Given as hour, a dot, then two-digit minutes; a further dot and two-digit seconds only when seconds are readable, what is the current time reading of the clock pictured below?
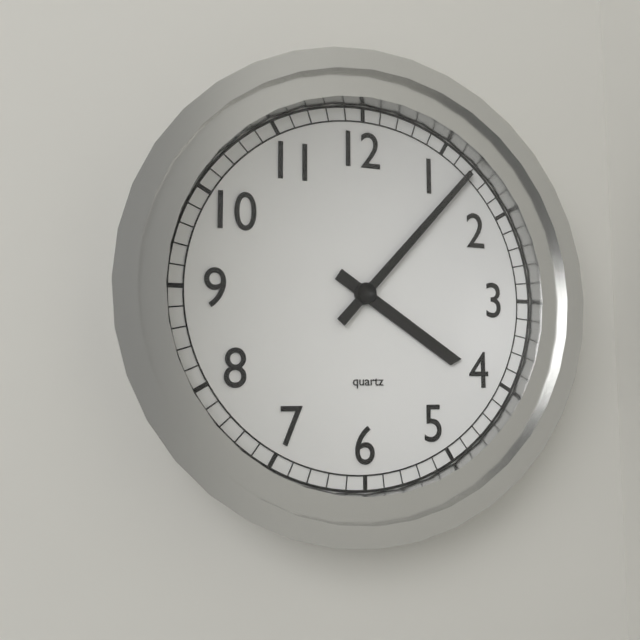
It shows 4.07
